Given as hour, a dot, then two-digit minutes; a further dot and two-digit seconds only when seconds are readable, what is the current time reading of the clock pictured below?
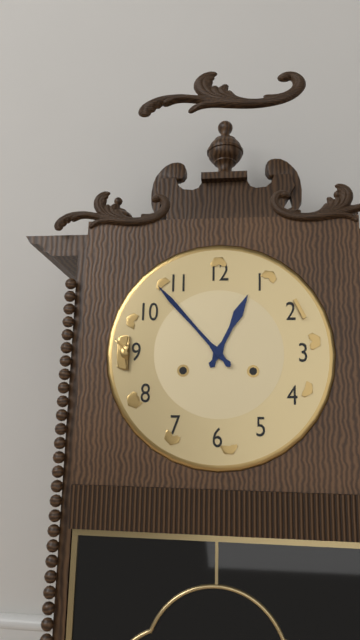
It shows 12.53
